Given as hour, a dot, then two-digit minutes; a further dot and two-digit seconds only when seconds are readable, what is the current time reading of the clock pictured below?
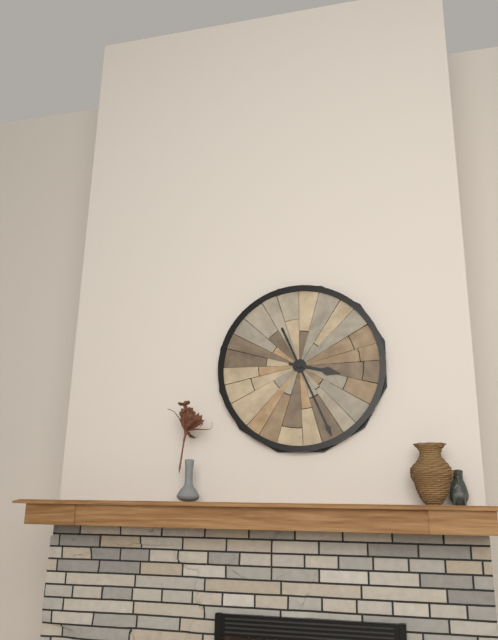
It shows 3.26
